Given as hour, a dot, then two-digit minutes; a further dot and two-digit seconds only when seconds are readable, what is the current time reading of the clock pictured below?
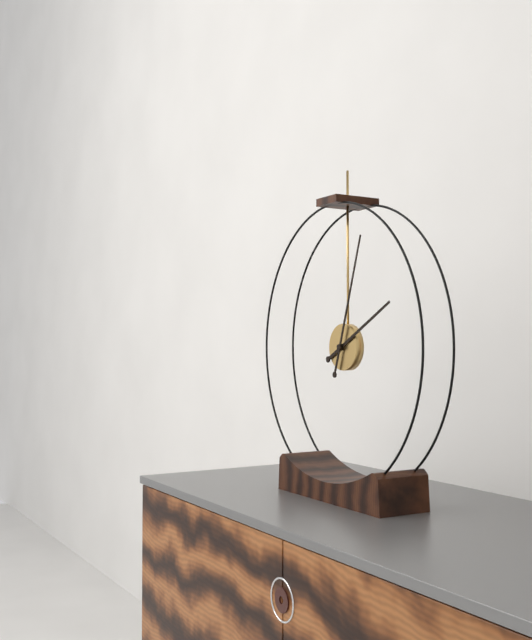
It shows 2.03
